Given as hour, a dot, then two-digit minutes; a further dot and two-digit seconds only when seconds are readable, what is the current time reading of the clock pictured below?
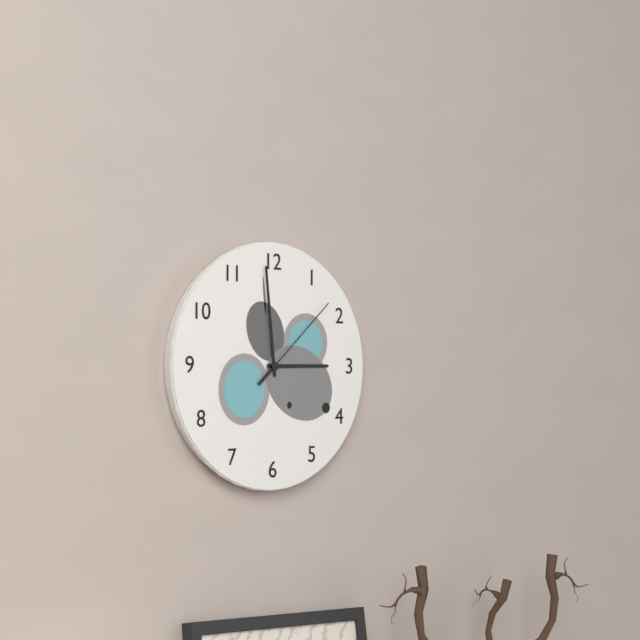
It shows 2.59.08
